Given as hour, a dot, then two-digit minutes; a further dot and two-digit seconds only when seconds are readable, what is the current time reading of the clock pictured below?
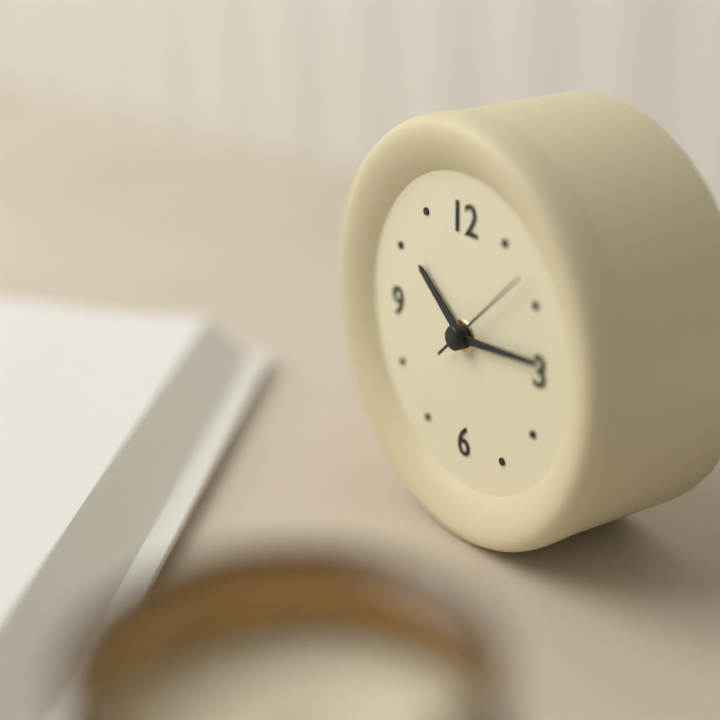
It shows 10.14.08
